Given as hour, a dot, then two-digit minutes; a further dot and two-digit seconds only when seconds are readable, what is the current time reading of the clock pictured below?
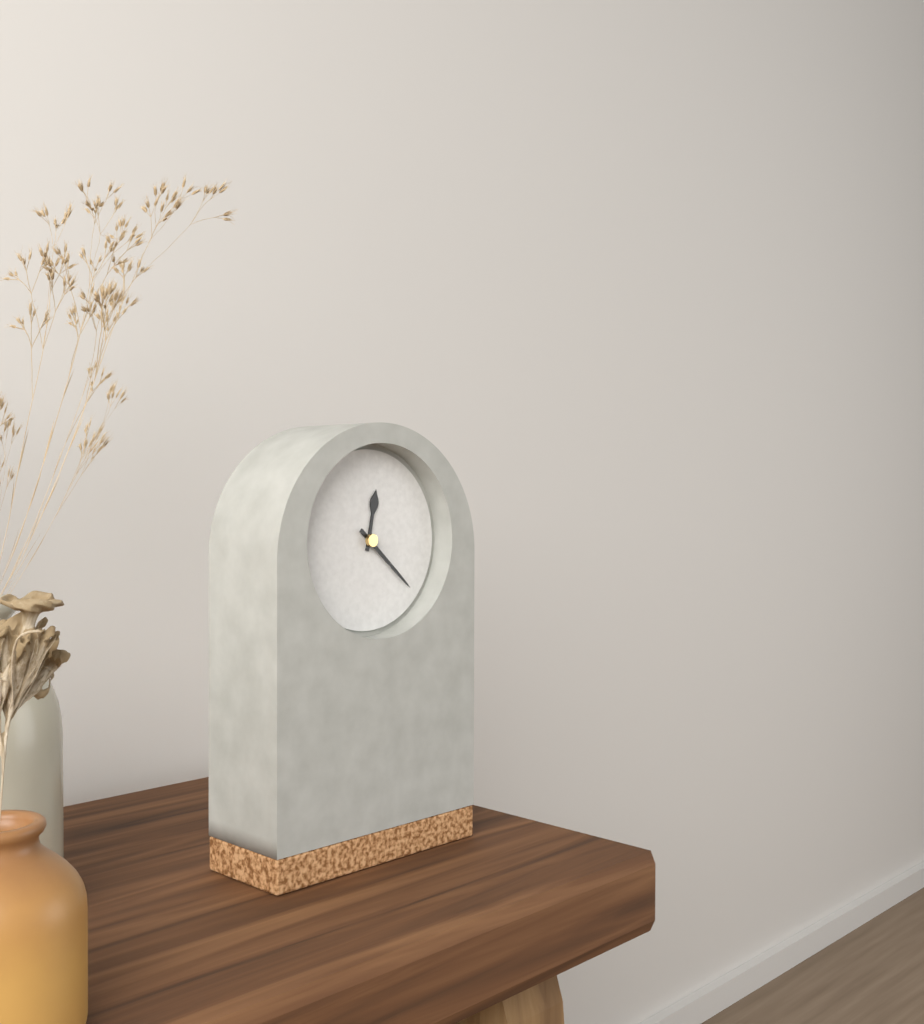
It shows 12.22
